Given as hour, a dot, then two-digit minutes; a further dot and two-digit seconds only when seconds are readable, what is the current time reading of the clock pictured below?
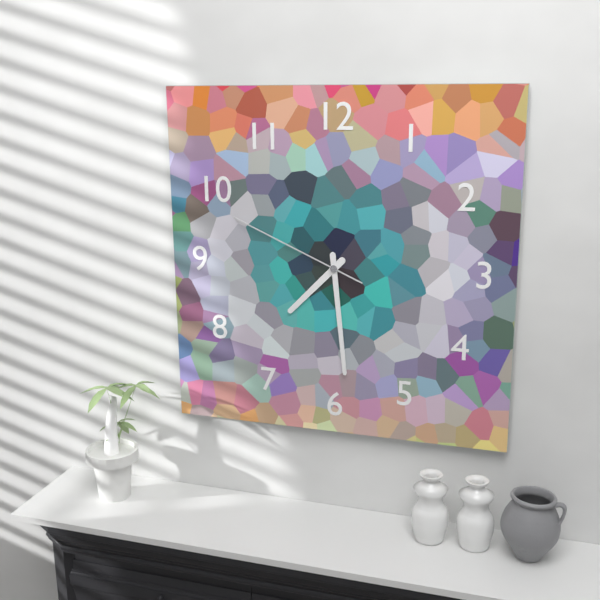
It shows 7.29.49
